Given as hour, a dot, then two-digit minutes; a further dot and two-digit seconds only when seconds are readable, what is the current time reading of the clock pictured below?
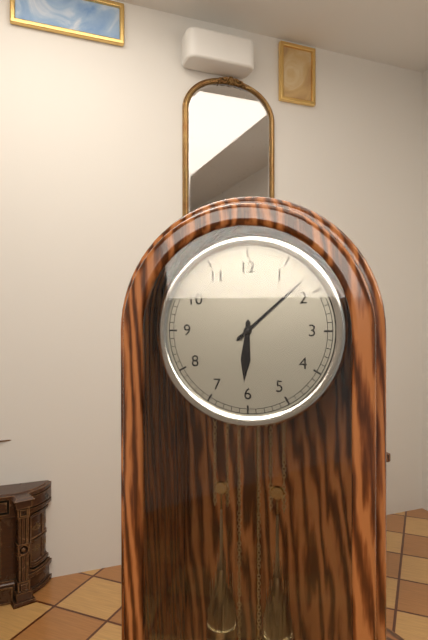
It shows 6.08
